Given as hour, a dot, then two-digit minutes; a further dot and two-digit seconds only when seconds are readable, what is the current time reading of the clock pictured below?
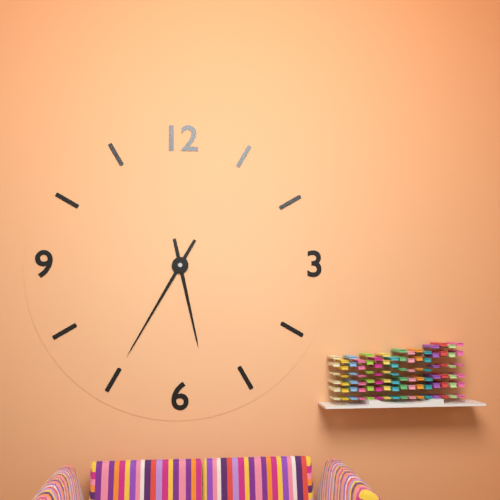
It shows 5.35
